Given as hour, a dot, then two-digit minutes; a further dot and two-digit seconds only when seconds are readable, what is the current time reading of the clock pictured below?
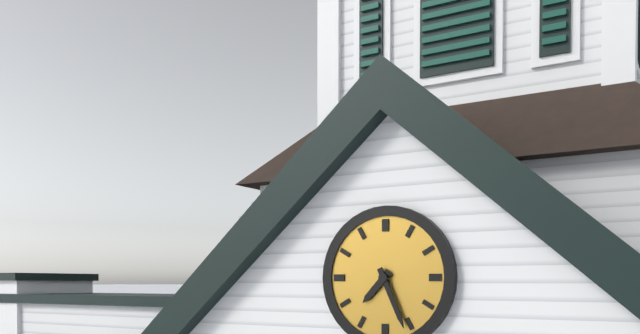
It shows 7.26
